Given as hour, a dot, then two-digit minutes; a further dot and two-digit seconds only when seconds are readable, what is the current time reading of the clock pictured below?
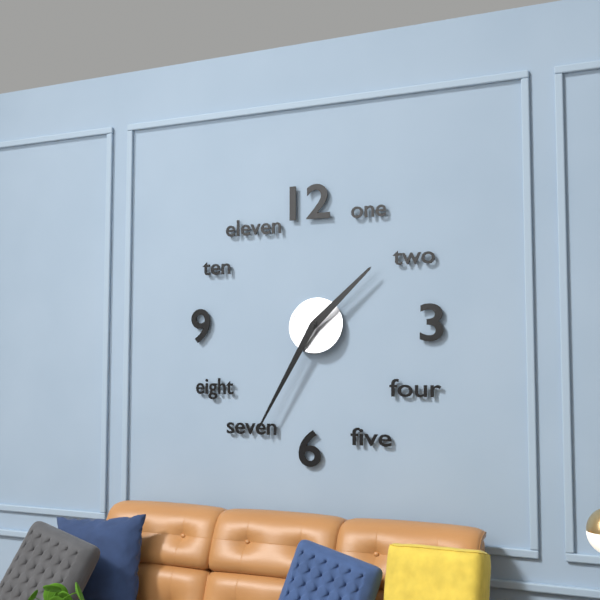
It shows 1.35
